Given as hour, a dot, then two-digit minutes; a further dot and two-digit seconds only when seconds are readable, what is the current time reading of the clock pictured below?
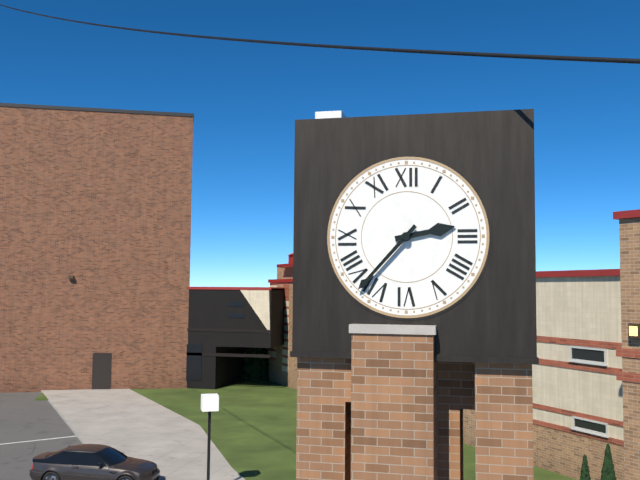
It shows 2.37
